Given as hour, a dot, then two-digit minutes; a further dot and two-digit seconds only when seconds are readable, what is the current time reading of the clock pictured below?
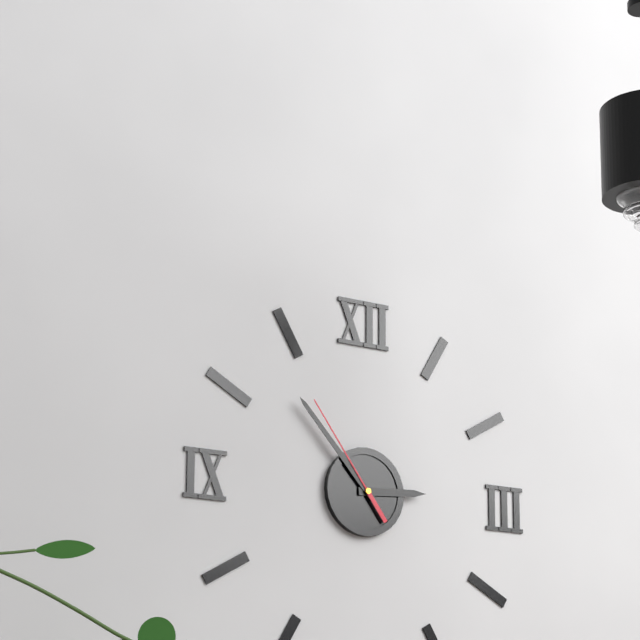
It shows 2.53.54
